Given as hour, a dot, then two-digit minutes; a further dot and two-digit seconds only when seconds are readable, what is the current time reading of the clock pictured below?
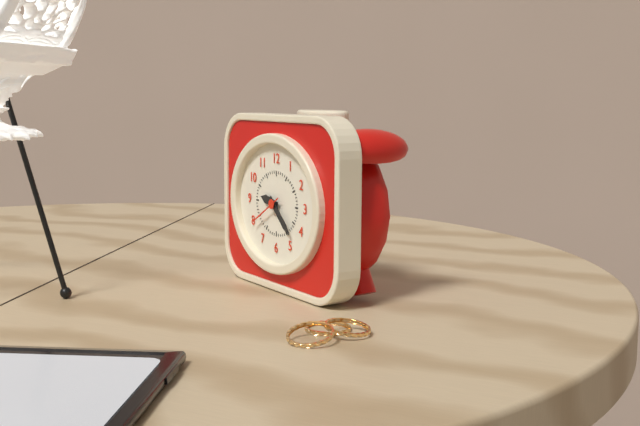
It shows 9.22
